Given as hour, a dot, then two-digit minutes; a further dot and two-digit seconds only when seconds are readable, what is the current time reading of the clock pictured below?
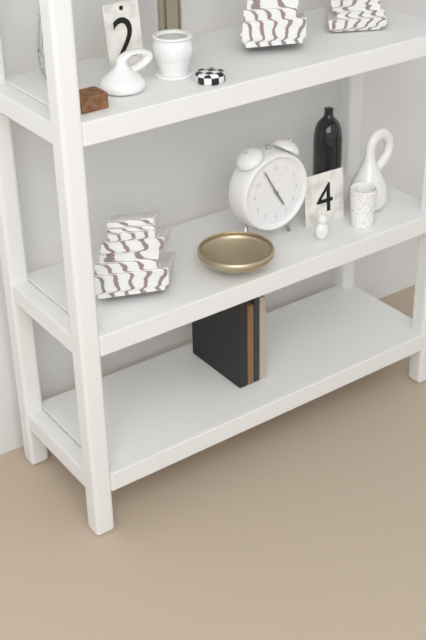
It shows 4.55
